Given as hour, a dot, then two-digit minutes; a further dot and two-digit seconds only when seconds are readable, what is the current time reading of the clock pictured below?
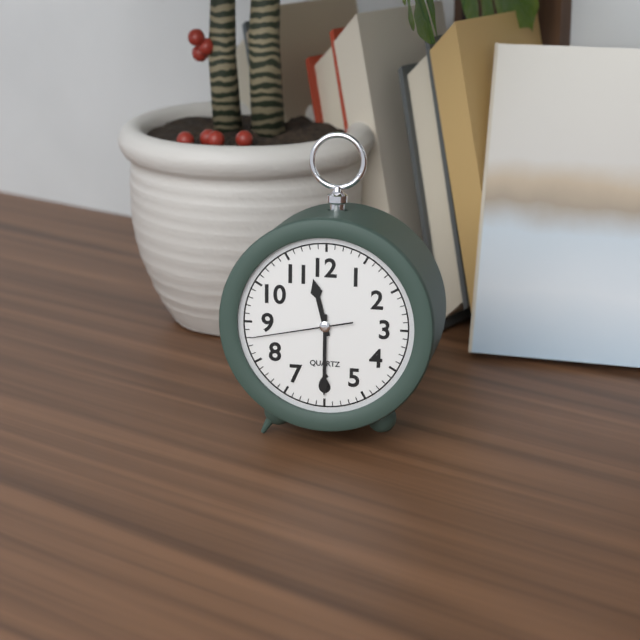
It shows 11.30.43
